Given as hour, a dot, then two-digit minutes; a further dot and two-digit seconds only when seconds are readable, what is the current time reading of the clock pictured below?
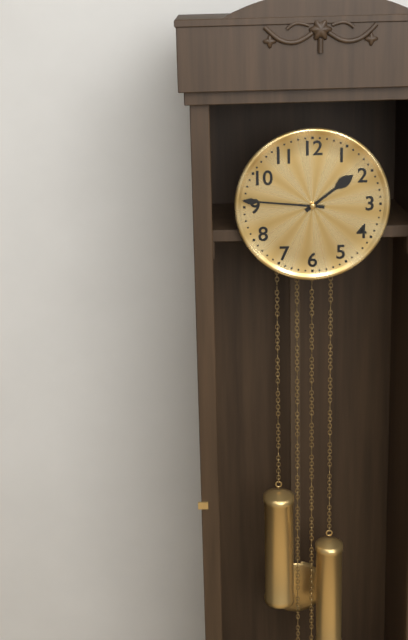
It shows 1.46
